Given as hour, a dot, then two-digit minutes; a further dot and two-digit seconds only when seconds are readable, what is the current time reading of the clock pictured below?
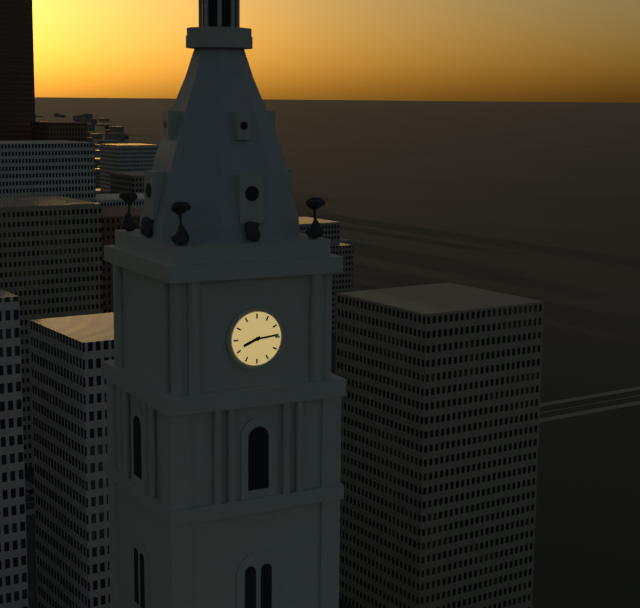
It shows 8.14
